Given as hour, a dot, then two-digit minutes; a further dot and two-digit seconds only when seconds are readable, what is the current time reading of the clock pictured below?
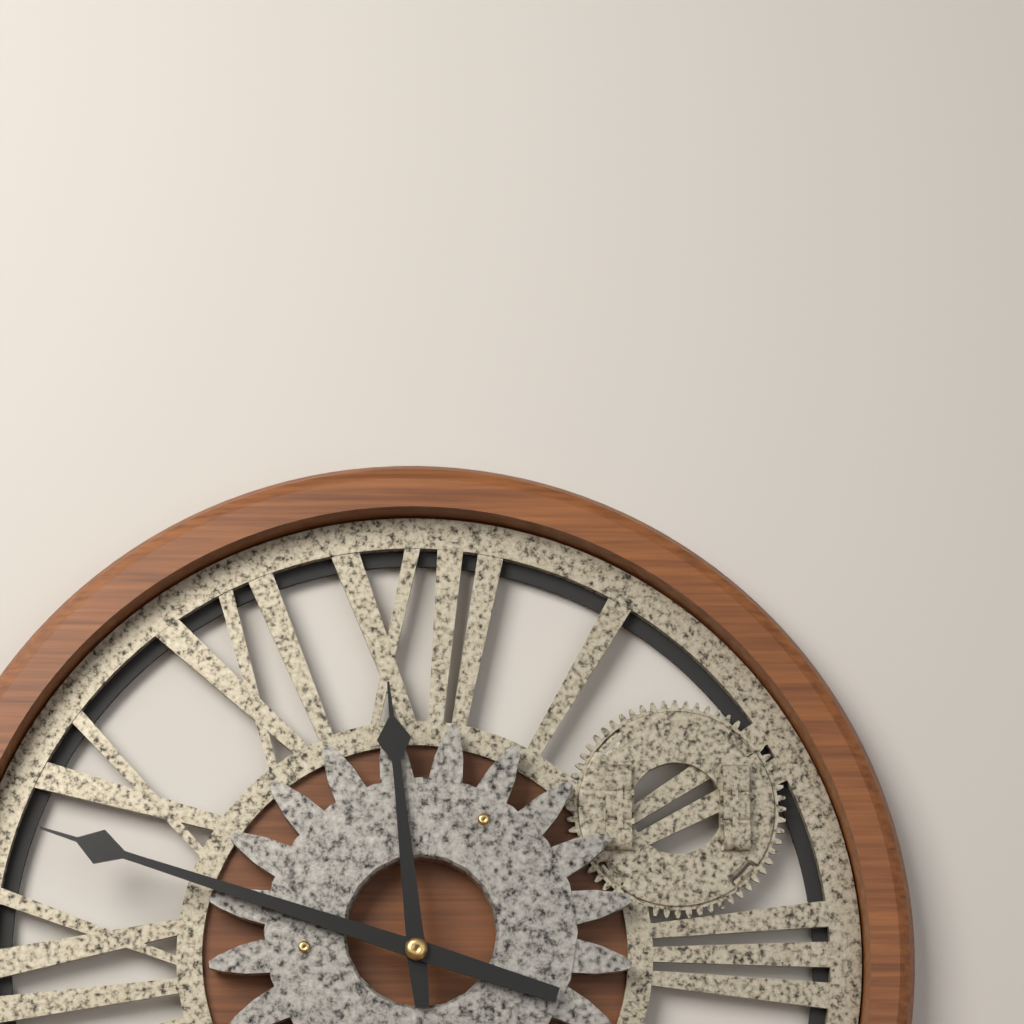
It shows 11.48
